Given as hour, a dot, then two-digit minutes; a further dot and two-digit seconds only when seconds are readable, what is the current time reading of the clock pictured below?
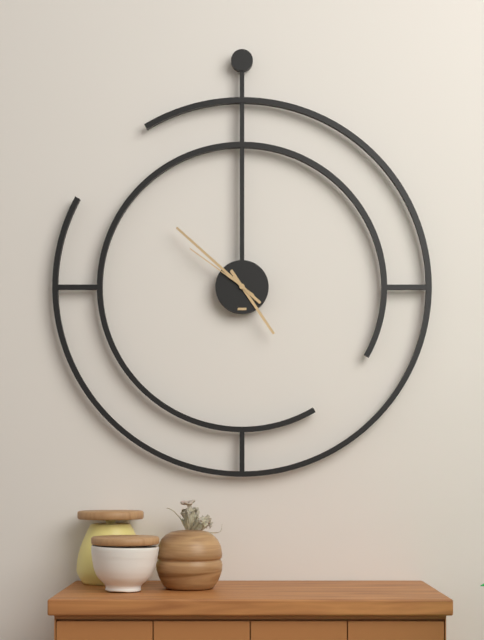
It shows 4.52.51
